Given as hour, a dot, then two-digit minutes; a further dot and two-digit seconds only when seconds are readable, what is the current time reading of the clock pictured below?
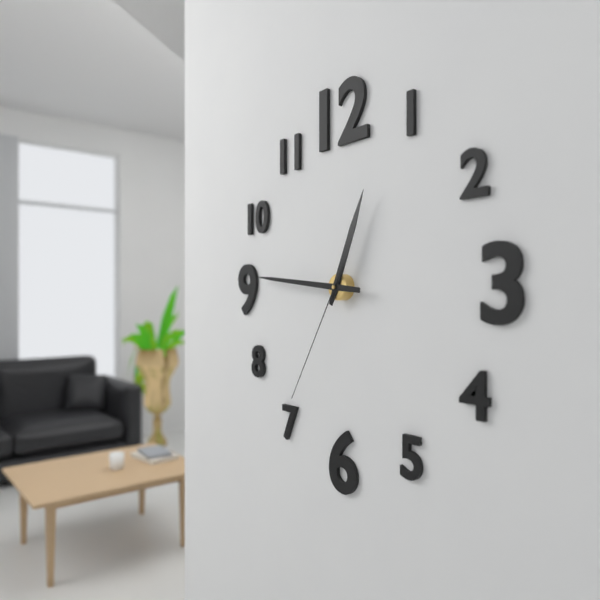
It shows 12.46.35
